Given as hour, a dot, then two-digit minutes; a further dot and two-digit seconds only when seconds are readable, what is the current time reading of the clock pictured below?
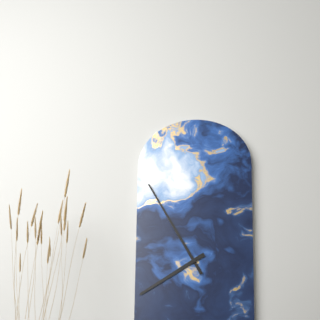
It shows 7.55
